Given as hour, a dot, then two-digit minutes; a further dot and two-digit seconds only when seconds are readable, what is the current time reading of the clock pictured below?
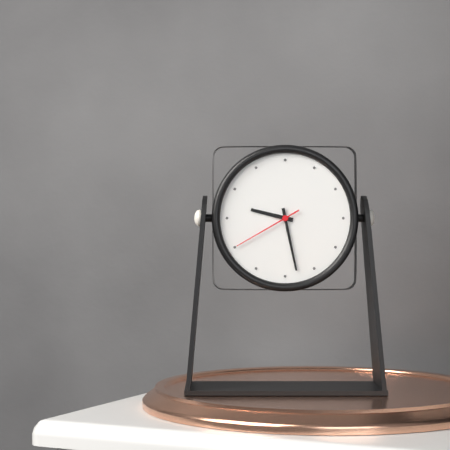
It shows 9.28.40
